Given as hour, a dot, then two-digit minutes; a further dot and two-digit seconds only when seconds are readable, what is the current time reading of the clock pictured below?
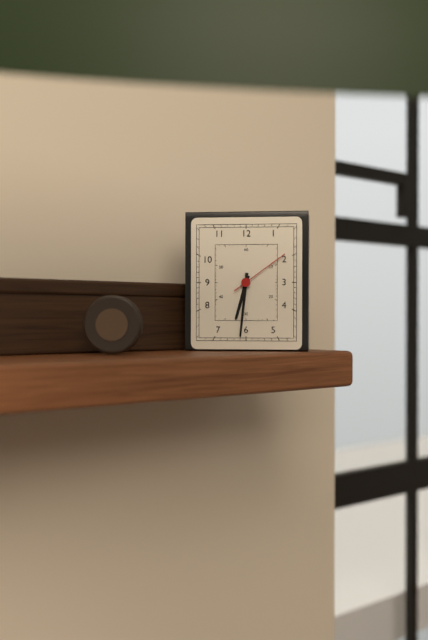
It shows 6.31.09
